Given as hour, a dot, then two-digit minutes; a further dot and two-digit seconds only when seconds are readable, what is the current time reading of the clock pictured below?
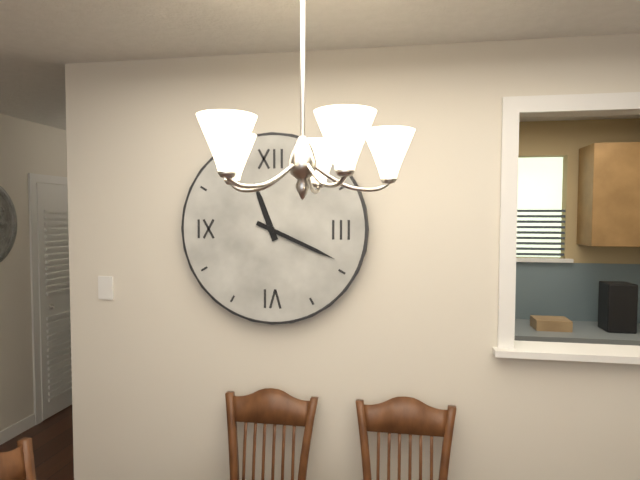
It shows 11.19
